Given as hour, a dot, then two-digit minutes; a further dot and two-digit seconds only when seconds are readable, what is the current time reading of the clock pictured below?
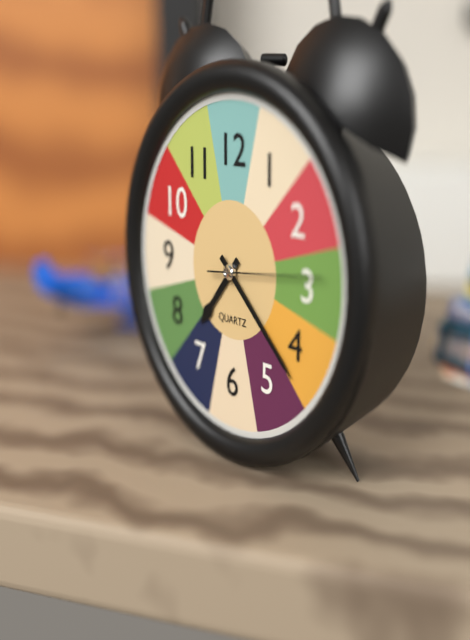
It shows 7.22.14
